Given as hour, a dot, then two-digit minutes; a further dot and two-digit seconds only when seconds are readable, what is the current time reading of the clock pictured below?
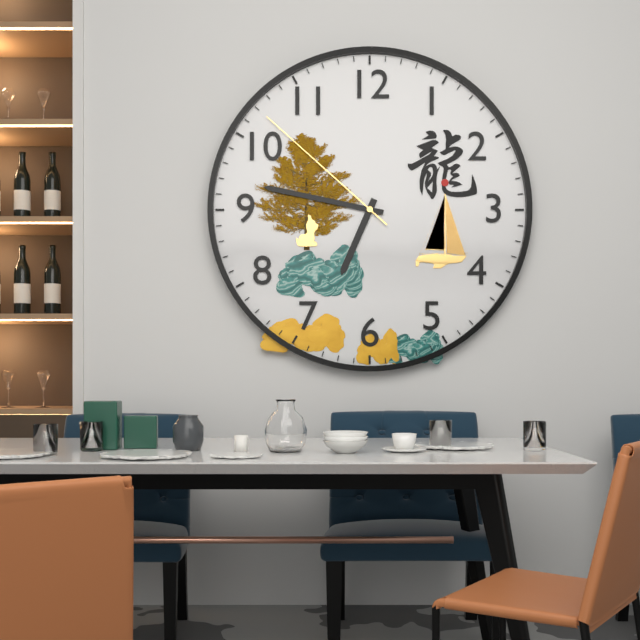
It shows 6.47.52
